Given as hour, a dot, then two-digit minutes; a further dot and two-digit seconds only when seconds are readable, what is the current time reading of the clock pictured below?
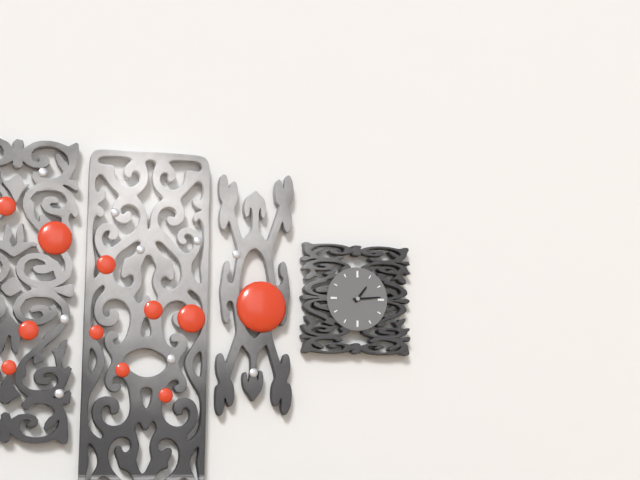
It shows 1.14
